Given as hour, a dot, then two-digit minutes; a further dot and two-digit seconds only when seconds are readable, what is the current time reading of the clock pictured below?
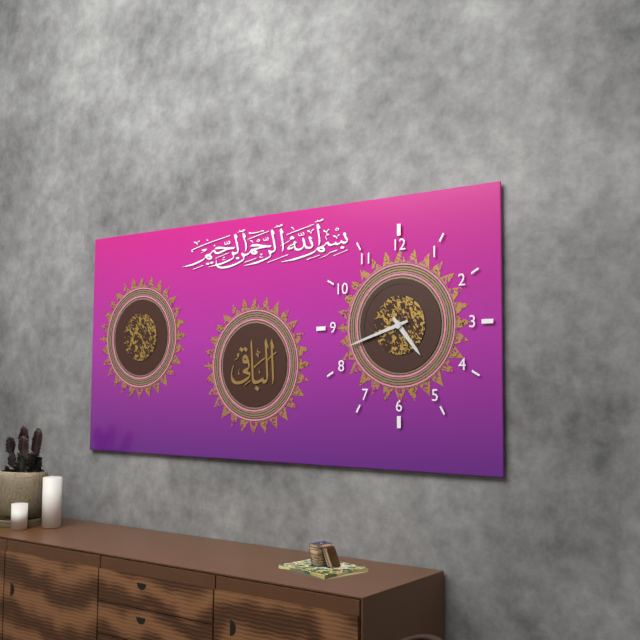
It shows 4.42
